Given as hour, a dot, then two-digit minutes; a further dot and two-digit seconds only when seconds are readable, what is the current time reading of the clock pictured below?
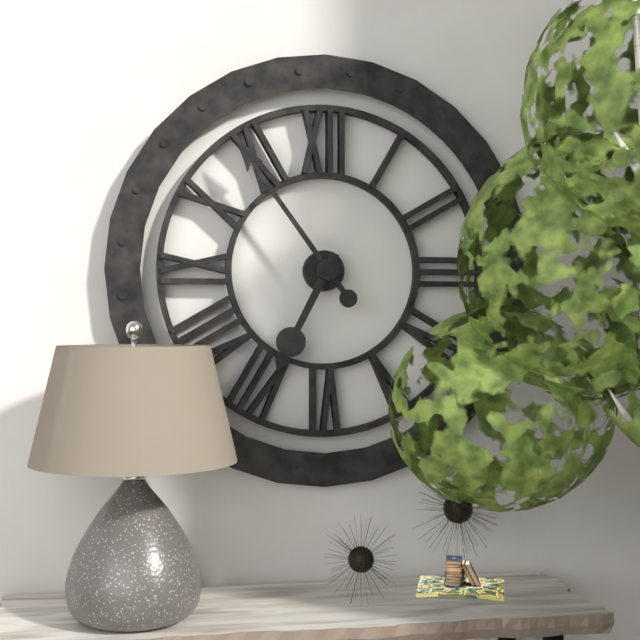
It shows 6.54
